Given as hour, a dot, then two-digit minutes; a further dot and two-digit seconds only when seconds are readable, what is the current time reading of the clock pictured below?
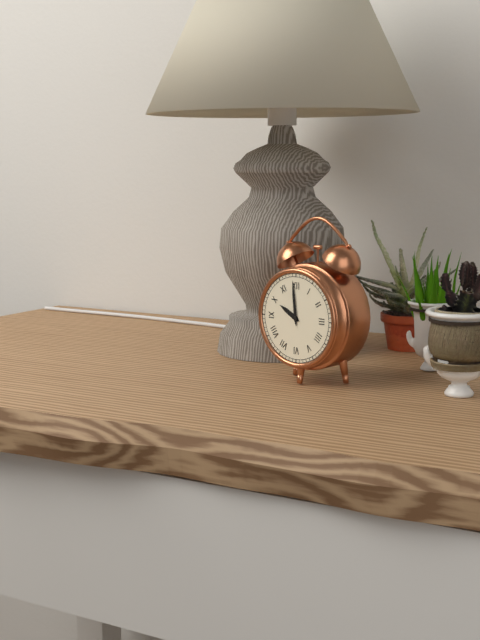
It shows 9.59
